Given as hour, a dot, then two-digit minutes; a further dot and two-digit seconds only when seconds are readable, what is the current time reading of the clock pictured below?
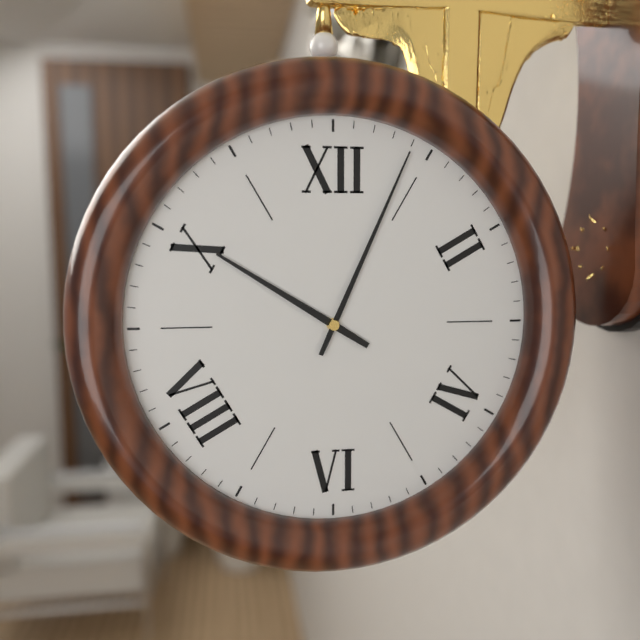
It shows 10.04
